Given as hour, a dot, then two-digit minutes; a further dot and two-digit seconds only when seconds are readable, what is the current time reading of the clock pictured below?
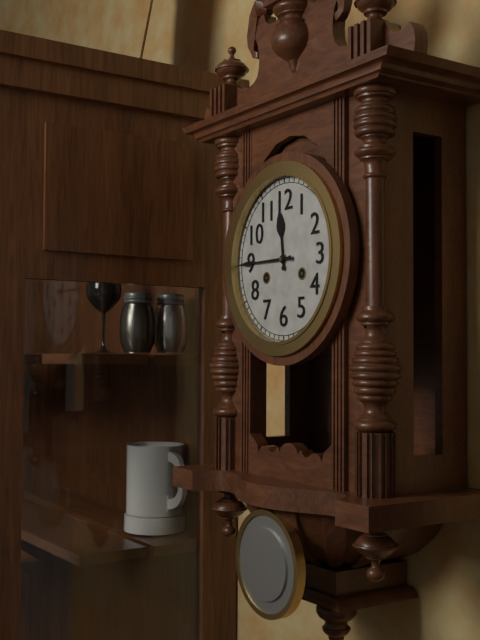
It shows 11.45
